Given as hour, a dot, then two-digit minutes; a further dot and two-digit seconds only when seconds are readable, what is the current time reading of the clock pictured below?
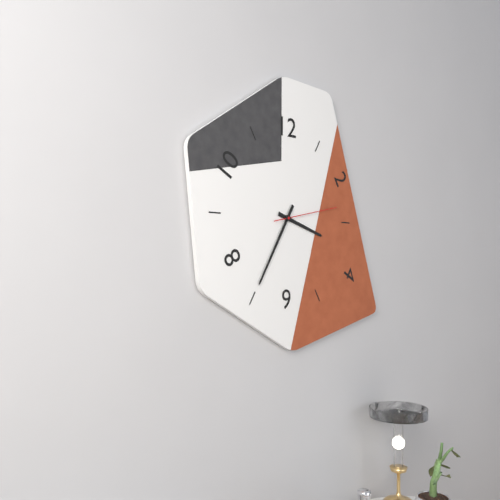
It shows 3.35.13
